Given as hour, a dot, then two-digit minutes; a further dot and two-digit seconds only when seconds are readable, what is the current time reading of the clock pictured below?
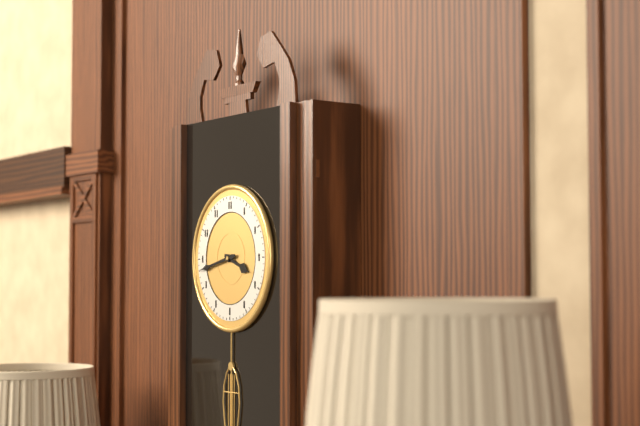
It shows 3.43
